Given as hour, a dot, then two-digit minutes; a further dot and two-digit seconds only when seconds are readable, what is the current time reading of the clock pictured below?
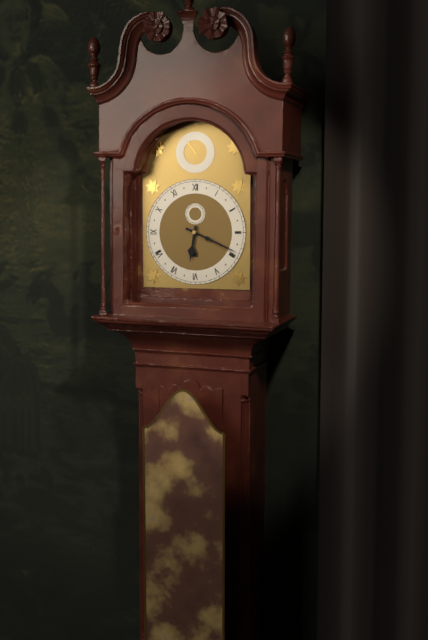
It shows 6.19
